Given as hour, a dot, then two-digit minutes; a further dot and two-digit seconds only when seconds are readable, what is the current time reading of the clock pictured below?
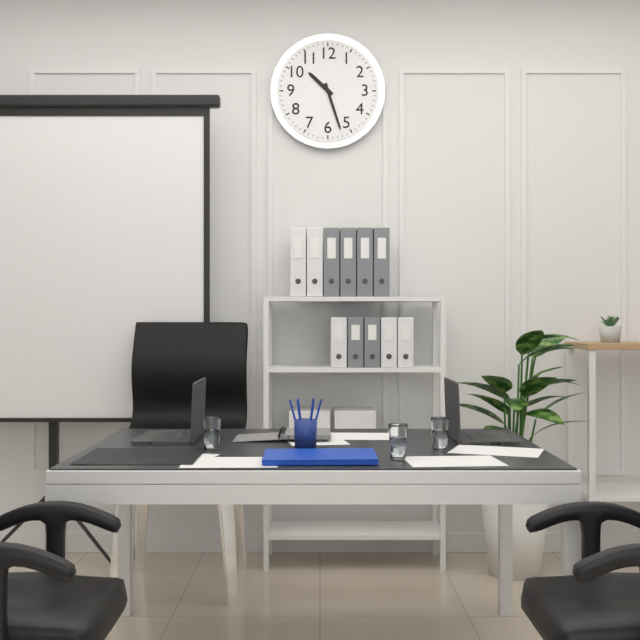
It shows 10.27
